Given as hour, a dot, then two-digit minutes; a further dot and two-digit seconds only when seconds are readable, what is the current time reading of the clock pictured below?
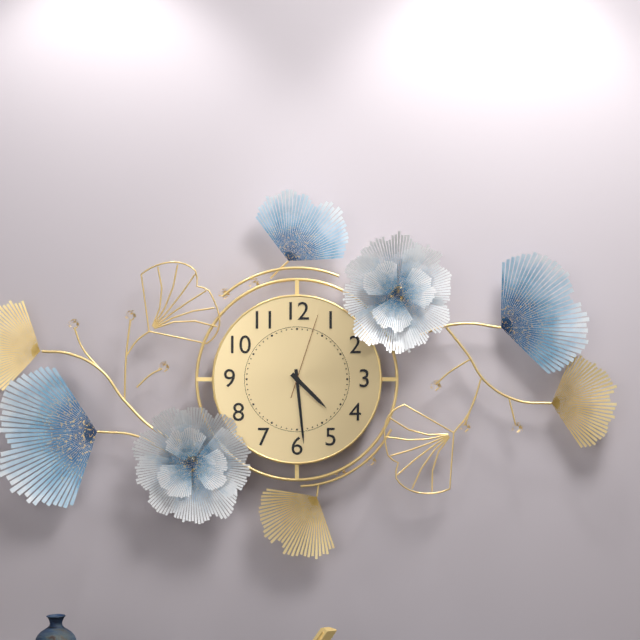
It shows 4.29.03
